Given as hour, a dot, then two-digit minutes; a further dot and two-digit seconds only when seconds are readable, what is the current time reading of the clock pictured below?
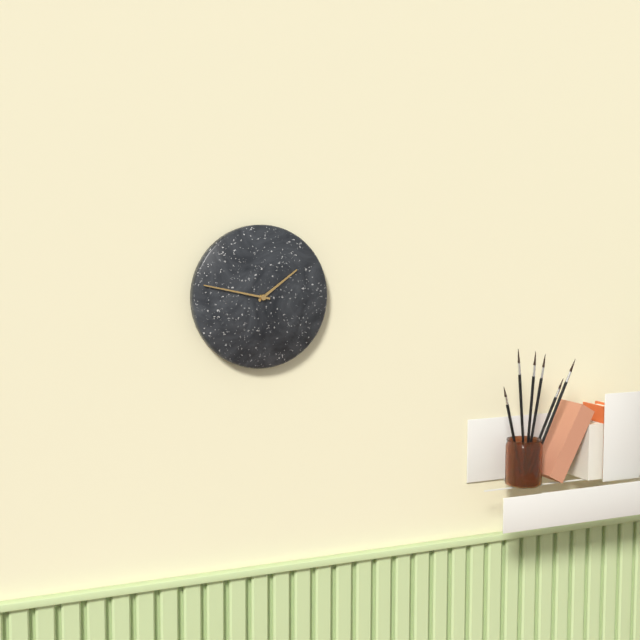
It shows 1.47
